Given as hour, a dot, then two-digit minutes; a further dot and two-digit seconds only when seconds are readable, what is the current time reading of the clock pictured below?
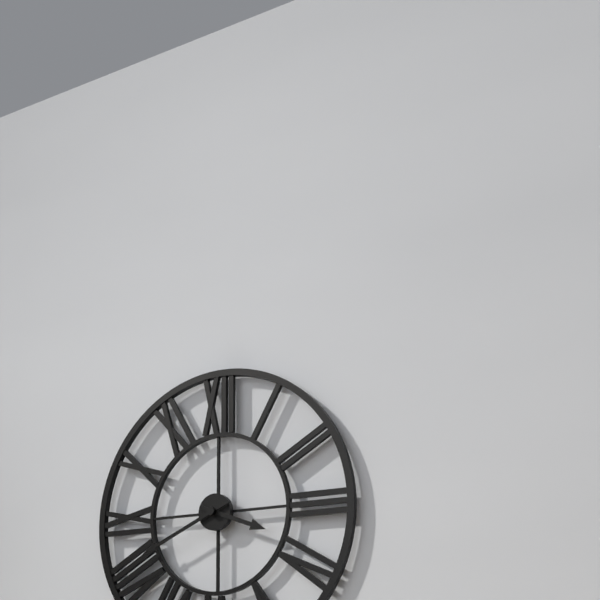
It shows 3.41
